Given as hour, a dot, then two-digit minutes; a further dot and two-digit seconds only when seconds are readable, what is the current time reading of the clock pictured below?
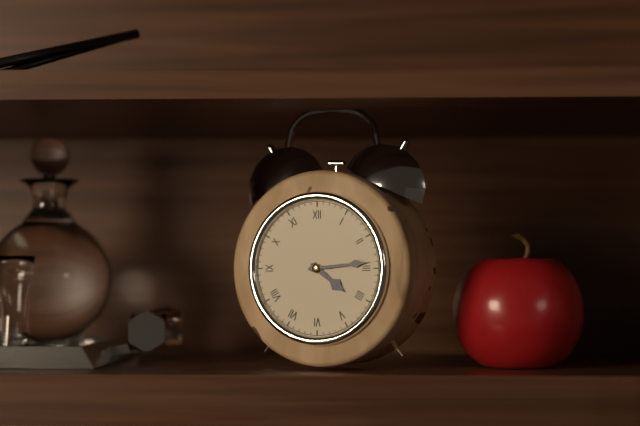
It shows 4.14
